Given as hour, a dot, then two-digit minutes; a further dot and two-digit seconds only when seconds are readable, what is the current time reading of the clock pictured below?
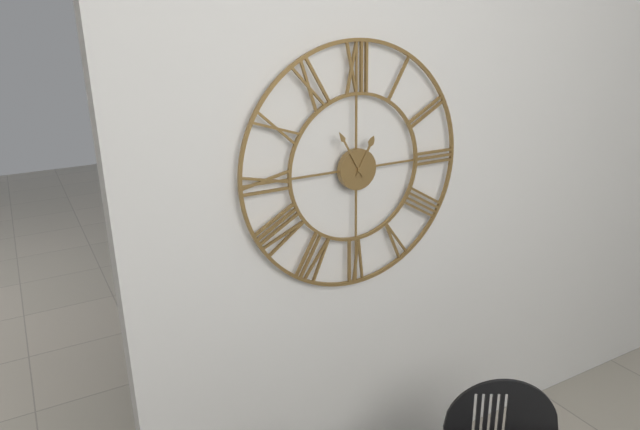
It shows 12.55
